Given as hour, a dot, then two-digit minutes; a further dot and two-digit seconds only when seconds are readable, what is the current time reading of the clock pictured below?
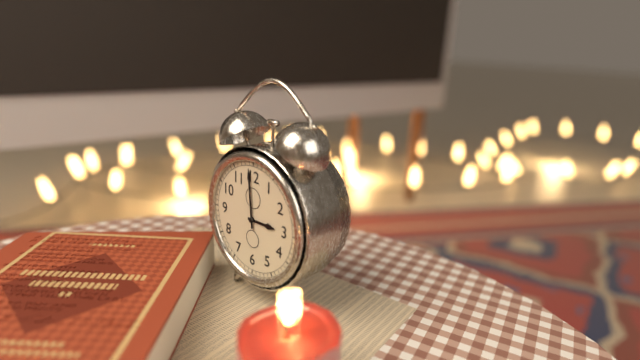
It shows 2.59
